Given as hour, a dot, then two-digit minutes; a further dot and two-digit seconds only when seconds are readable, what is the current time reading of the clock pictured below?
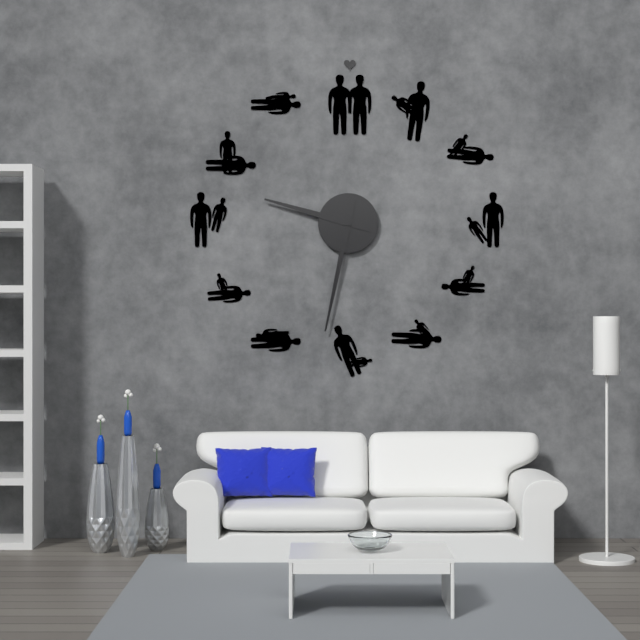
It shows 9.32
